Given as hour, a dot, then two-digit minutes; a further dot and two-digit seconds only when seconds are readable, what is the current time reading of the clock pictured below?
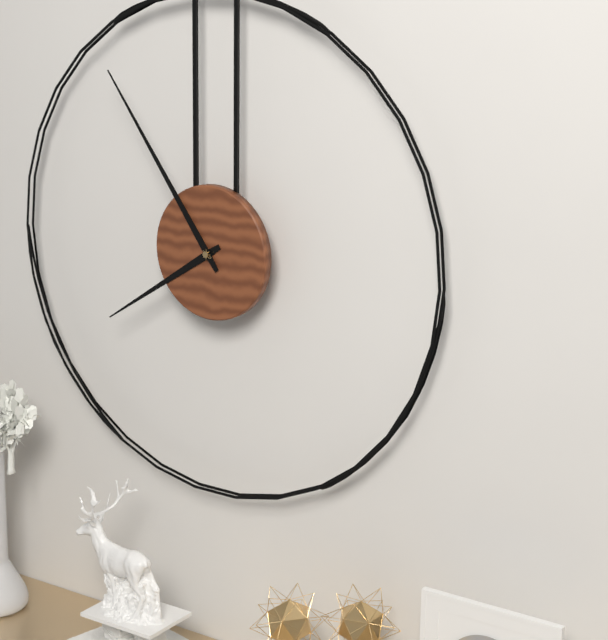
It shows 7.54
